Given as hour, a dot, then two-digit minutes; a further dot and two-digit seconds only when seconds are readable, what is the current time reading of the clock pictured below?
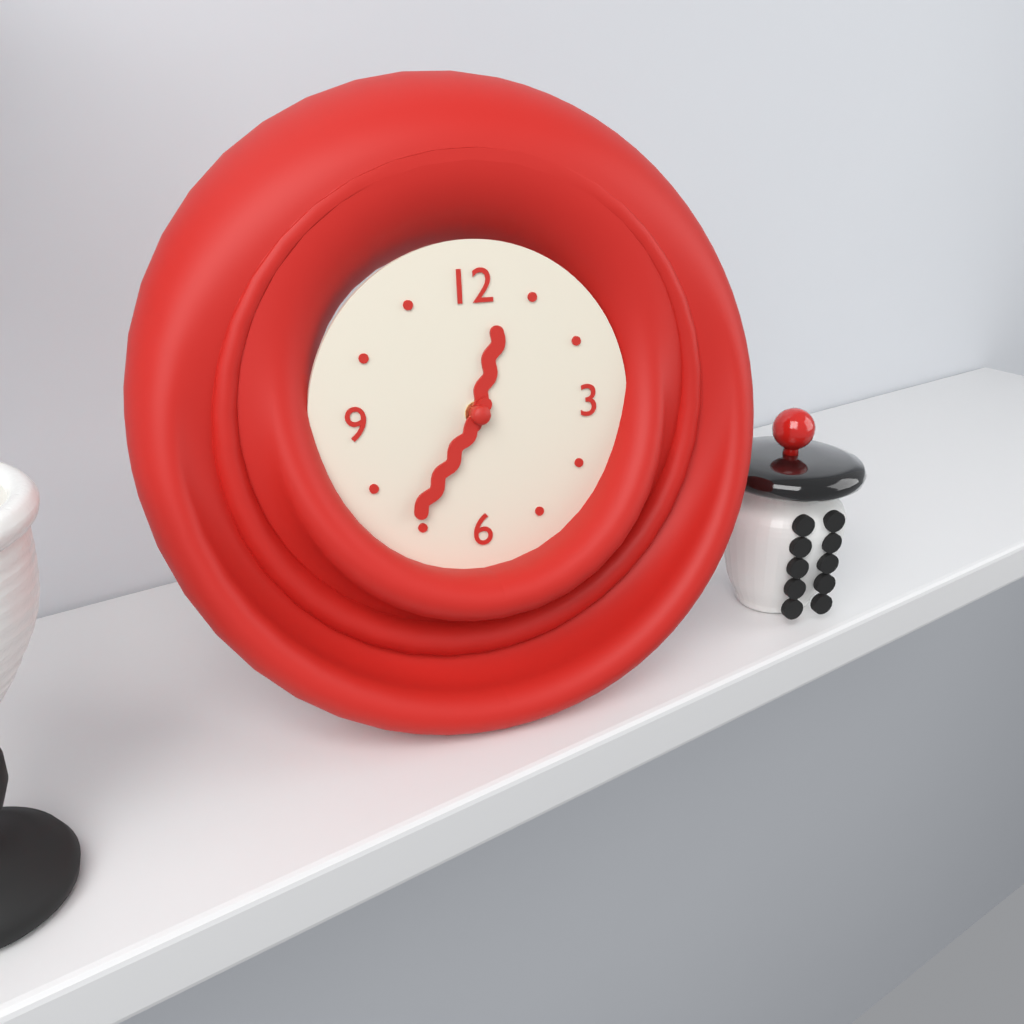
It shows 12.36
